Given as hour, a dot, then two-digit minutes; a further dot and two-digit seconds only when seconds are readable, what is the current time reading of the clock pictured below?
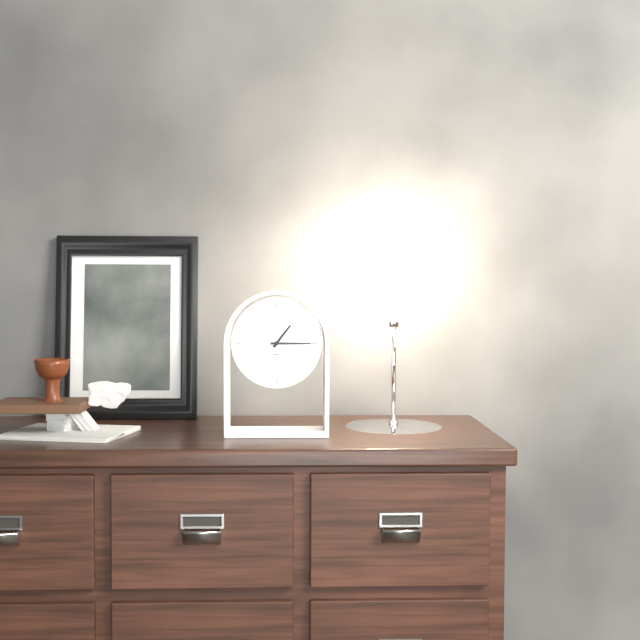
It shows 1.15
